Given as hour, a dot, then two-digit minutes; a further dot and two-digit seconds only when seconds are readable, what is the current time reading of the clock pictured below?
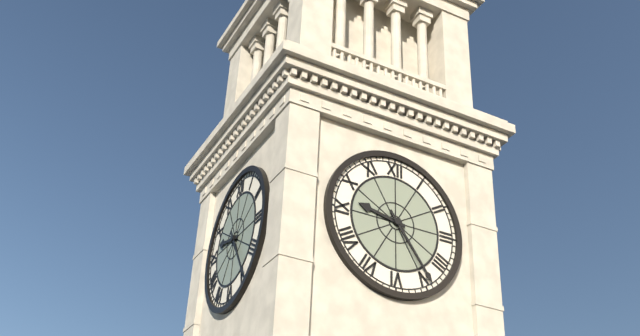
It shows 9.24
